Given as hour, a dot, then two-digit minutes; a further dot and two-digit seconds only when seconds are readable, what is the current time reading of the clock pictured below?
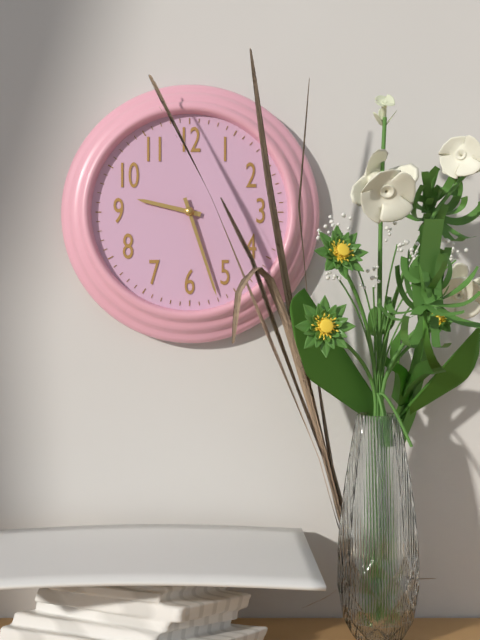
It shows 9.27
